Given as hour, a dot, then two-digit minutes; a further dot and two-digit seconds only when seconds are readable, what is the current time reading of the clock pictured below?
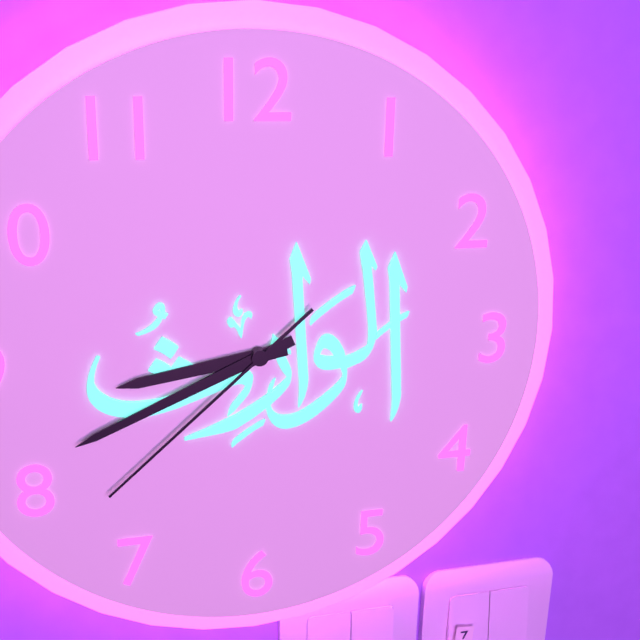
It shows 8.41.38
